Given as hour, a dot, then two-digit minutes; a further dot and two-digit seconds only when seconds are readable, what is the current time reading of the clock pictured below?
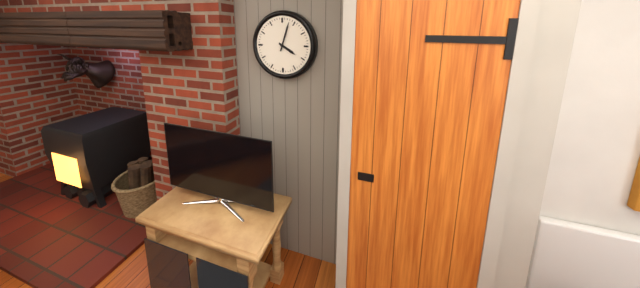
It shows 4.03
